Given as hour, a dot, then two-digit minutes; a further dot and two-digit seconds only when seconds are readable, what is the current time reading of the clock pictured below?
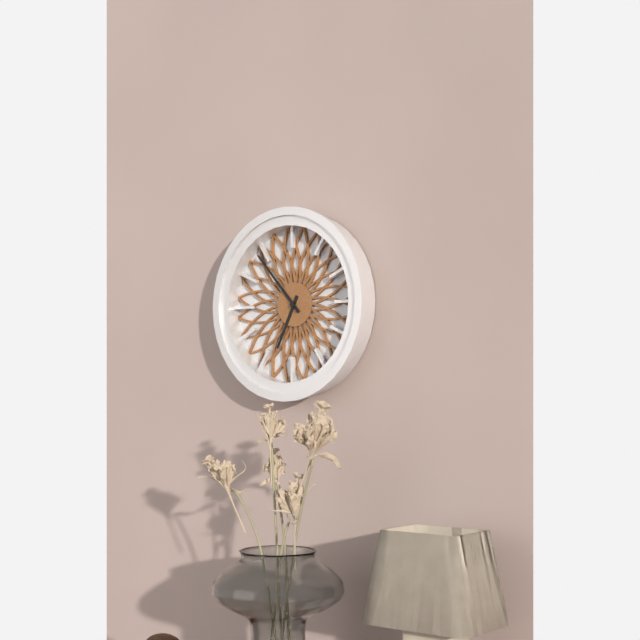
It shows 6.53
